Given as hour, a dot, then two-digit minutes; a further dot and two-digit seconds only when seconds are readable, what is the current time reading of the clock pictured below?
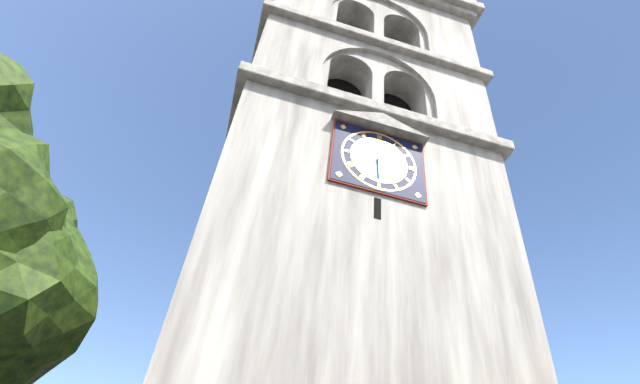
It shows 12.30
